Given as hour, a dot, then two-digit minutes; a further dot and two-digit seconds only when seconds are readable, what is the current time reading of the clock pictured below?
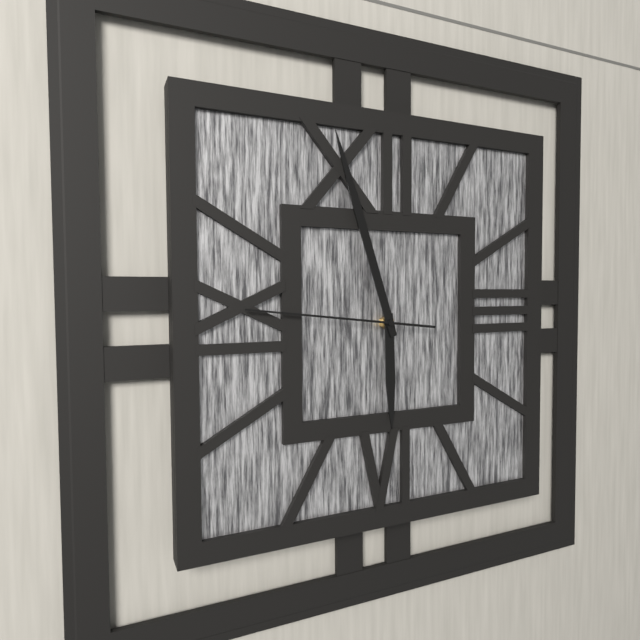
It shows 5.57.46
